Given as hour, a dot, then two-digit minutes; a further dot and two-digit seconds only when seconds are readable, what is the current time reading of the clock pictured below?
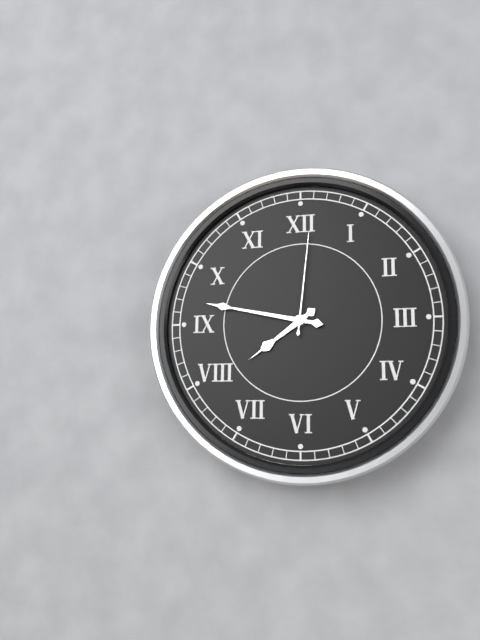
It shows 7.47.01
